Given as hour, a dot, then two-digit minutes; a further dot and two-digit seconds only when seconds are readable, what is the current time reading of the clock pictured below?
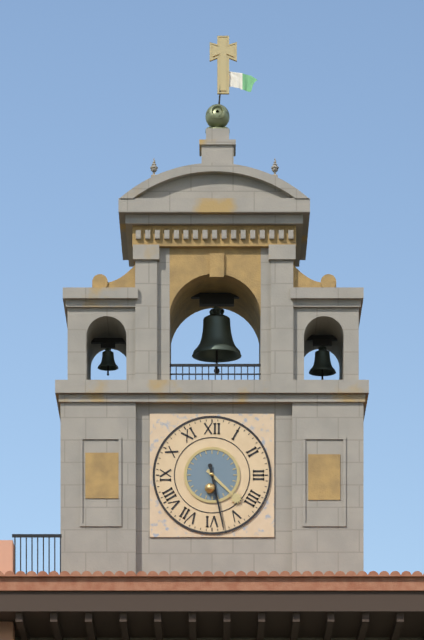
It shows 4.28
